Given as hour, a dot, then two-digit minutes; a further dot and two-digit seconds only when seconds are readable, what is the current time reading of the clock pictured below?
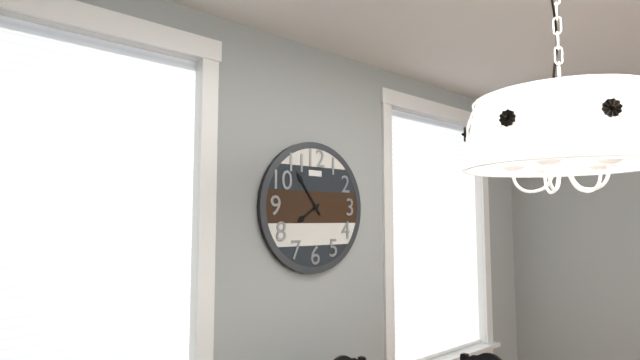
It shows 7.54
